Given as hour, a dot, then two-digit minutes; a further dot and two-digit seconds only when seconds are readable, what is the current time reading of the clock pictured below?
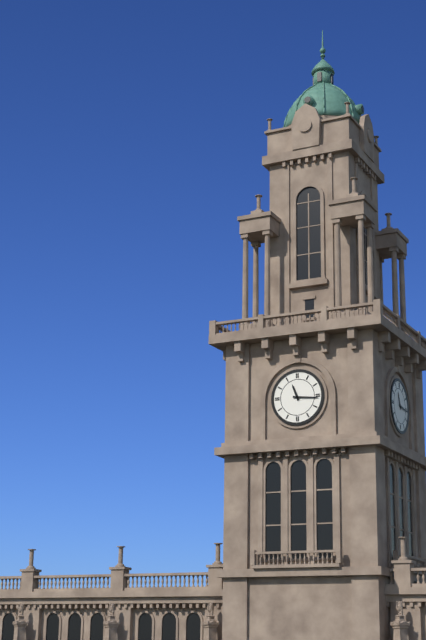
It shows 11.16
